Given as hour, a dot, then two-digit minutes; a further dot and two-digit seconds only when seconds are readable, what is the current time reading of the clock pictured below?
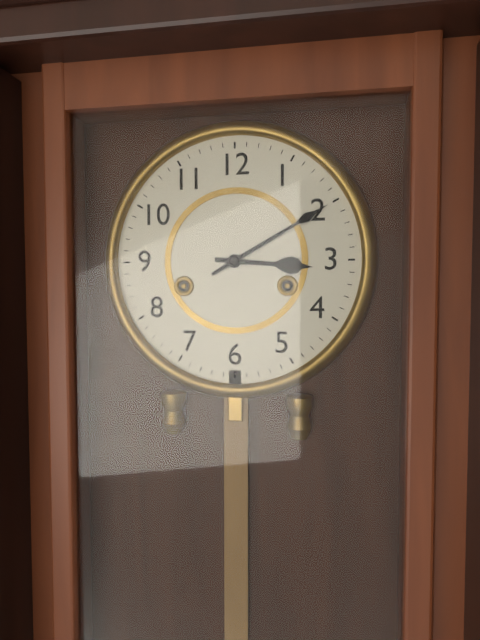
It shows 3.10
